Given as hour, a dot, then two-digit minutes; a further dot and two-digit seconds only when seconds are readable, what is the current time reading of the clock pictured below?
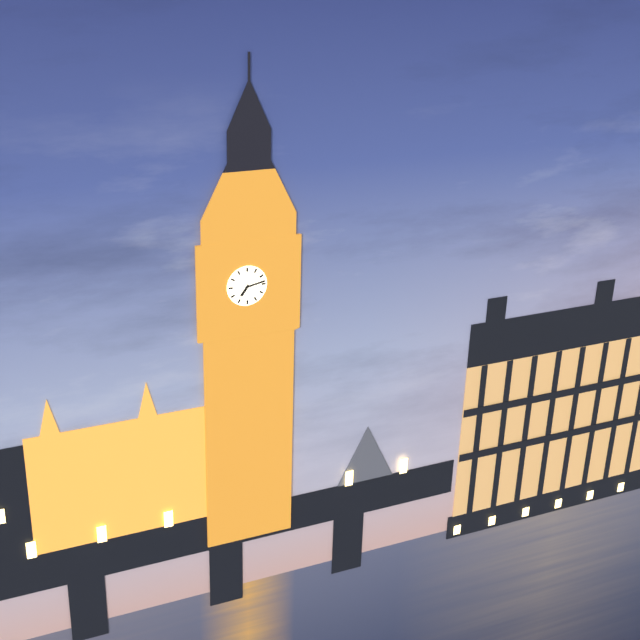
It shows 7.13
